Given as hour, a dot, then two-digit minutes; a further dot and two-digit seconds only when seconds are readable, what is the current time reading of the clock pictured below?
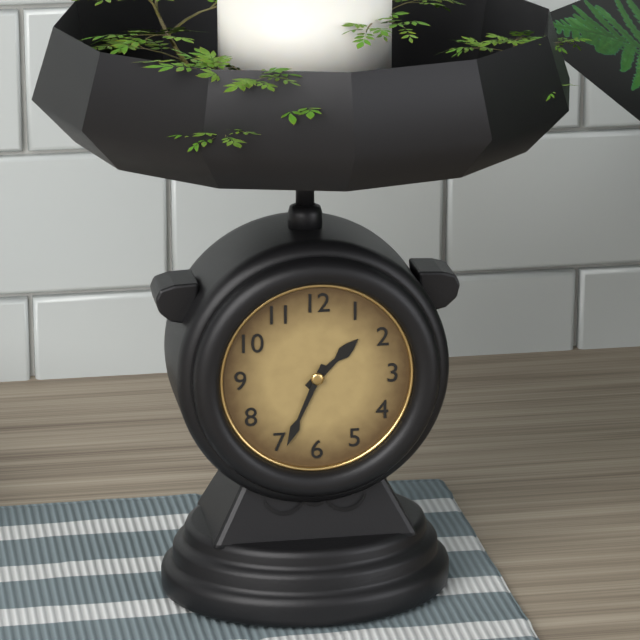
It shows 1.34
